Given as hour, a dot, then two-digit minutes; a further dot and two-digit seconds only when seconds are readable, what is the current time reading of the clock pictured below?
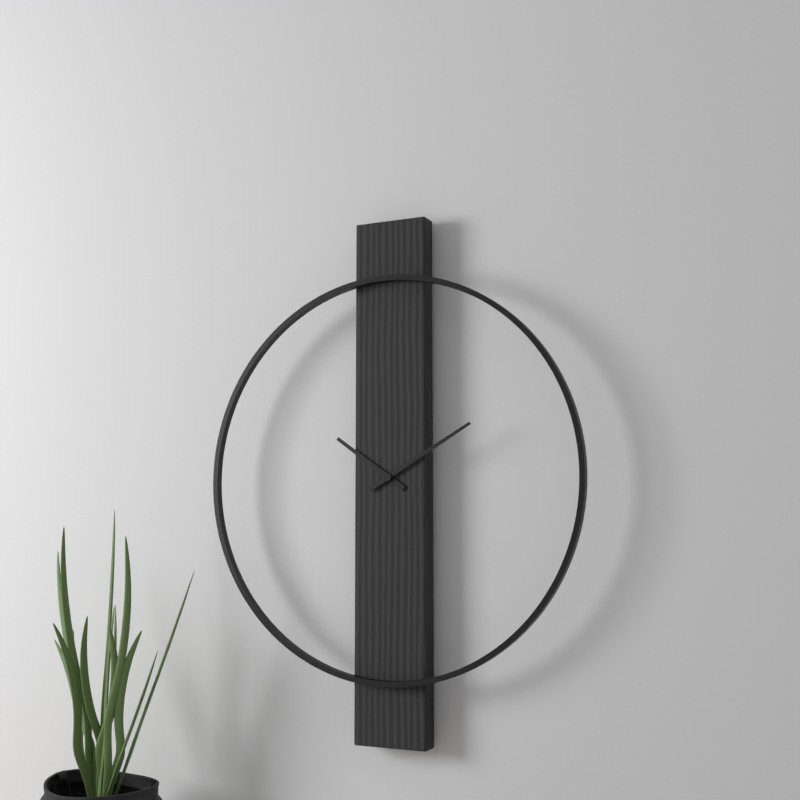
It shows 10.10
